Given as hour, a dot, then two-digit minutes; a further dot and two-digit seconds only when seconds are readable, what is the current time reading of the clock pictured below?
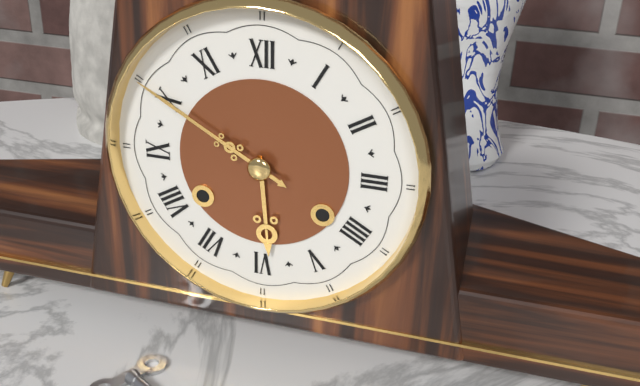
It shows 5.50
